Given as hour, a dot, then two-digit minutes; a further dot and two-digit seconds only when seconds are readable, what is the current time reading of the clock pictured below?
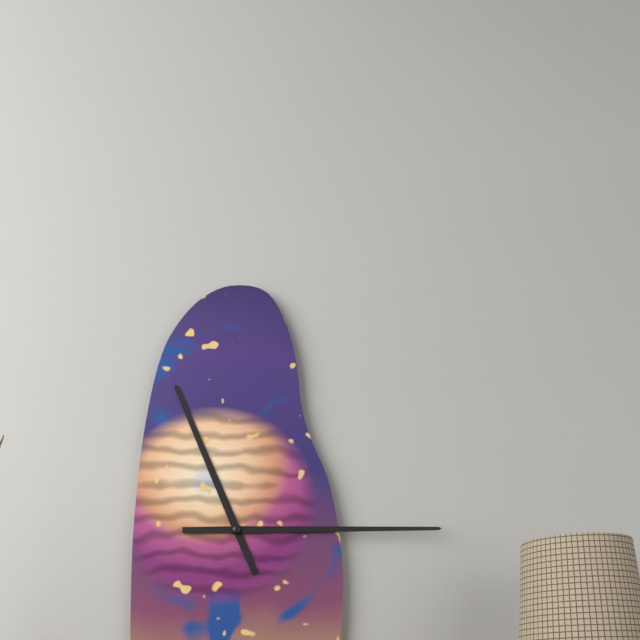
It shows 11.15
